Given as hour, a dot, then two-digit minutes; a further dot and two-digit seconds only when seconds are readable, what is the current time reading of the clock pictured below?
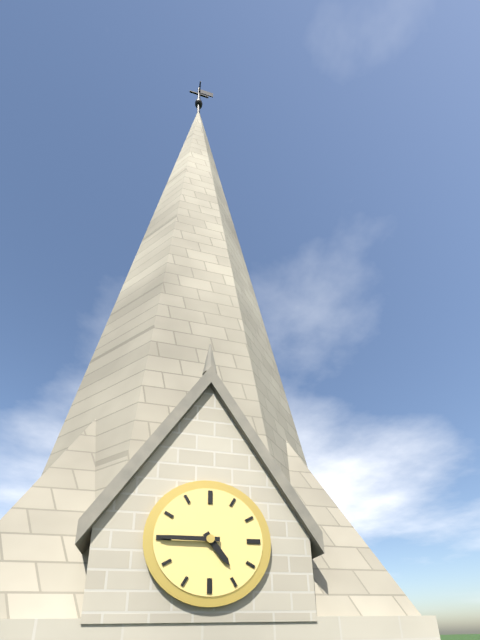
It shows 4.45
